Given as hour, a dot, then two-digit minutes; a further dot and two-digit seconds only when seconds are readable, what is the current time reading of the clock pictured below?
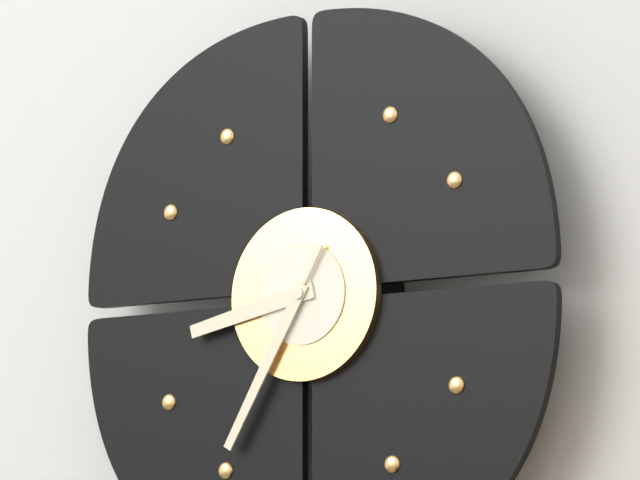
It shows 8.35
